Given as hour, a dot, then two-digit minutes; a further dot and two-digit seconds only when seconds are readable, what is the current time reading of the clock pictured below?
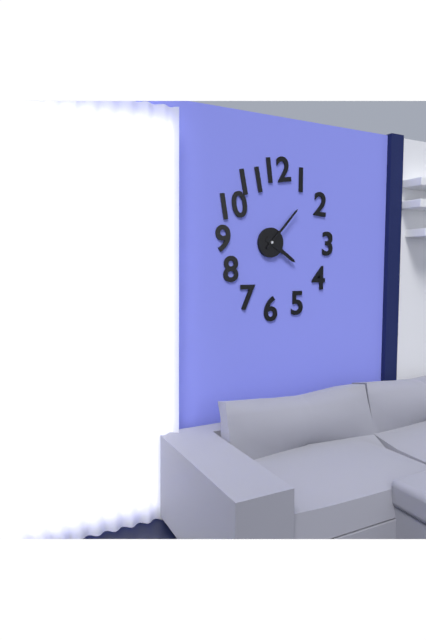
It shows 4.07
